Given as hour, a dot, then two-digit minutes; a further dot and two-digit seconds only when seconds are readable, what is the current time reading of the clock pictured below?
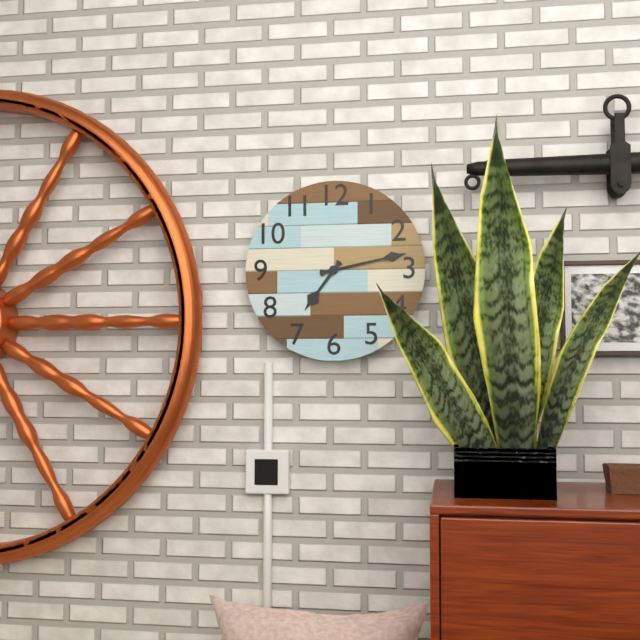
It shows 7.13
